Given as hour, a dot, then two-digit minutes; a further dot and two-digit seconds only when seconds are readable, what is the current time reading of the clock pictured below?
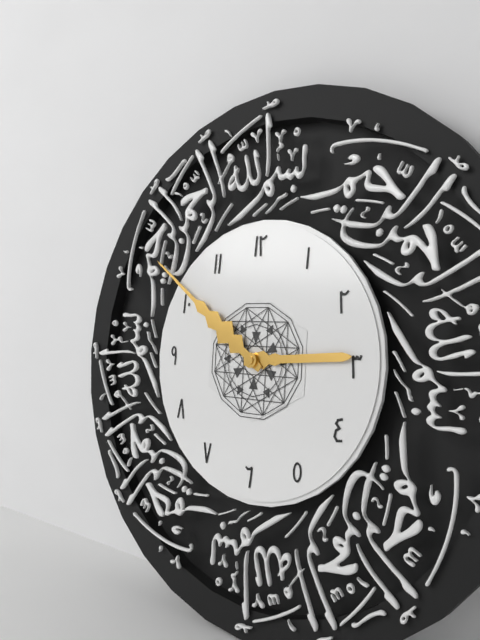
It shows 2.51
